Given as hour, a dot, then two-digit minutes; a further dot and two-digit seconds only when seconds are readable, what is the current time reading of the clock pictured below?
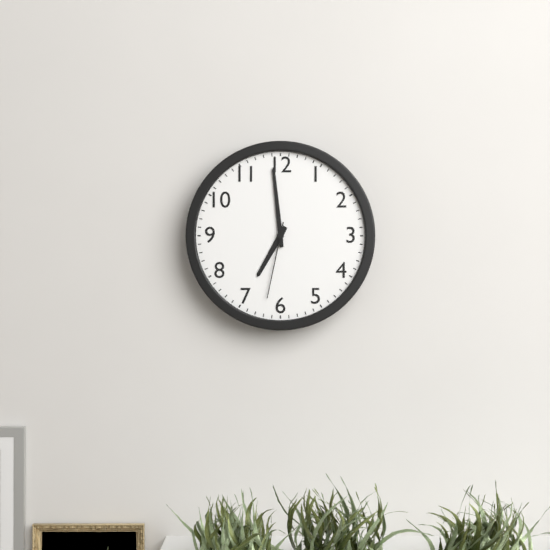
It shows 6.59.32
